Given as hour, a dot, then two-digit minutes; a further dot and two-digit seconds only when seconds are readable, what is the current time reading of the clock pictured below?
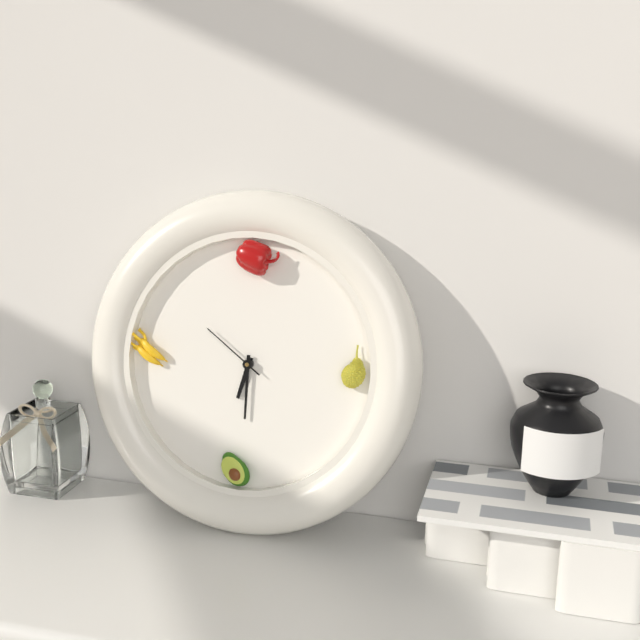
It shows 6.30.51
